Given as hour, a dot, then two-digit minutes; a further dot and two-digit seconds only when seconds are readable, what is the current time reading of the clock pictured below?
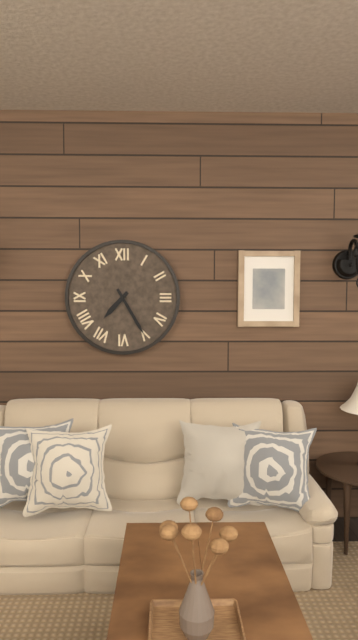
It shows 7.25
